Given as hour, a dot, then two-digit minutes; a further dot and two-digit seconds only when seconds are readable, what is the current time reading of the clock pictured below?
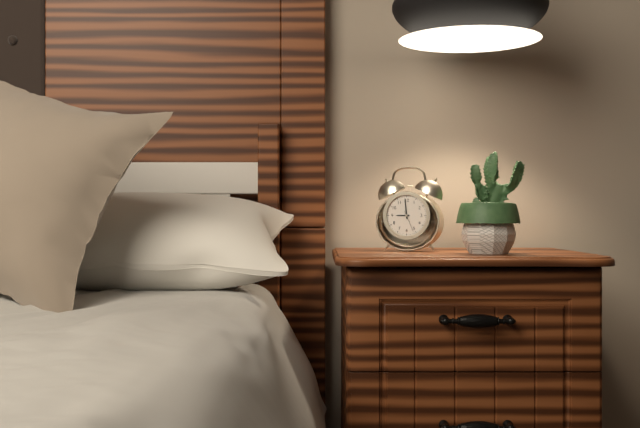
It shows 8.59
